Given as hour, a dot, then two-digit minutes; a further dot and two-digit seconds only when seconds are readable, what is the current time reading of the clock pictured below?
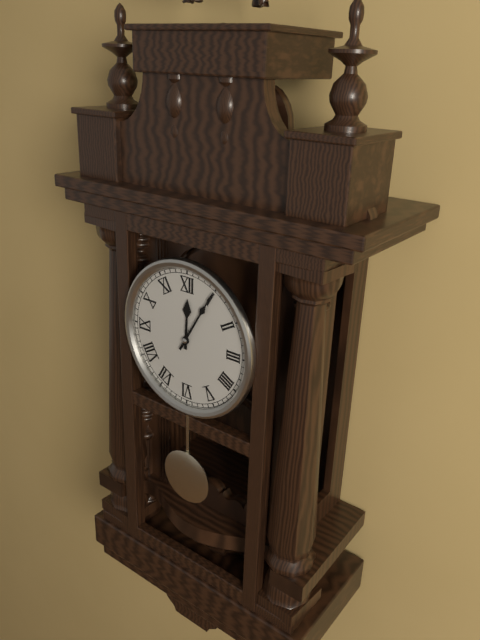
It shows 12.05
